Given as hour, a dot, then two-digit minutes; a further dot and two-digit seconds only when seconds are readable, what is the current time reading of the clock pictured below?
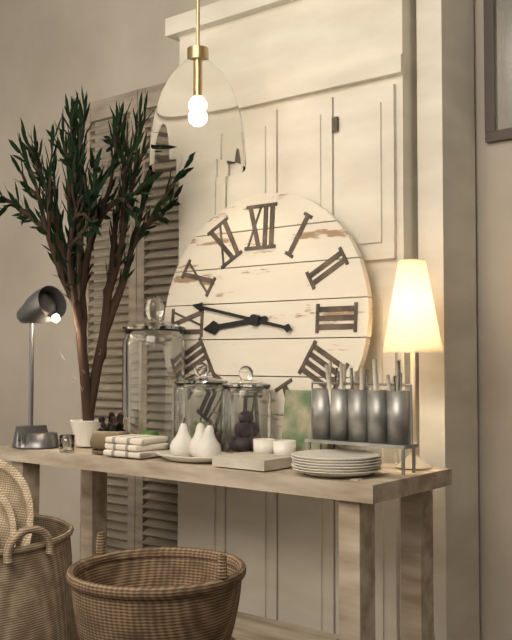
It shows 8.47
